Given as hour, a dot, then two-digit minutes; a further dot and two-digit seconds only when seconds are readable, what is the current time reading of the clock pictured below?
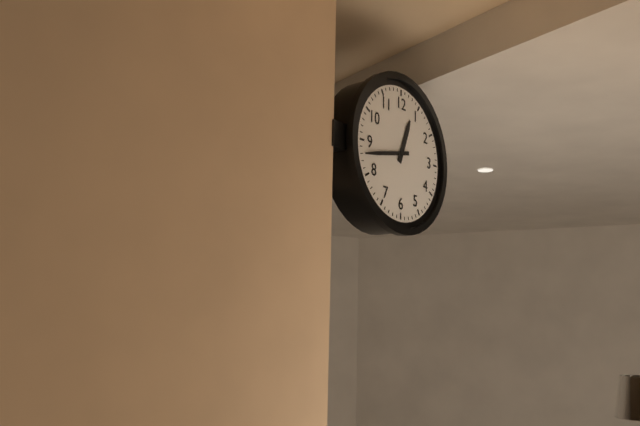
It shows 12.43
